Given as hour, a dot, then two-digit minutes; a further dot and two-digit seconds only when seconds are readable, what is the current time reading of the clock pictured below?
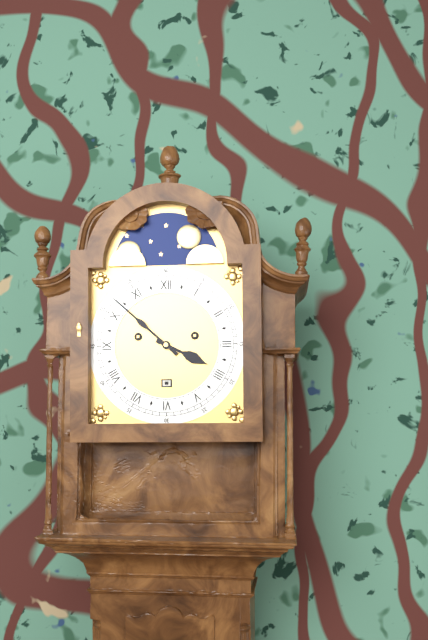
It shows 3.52
